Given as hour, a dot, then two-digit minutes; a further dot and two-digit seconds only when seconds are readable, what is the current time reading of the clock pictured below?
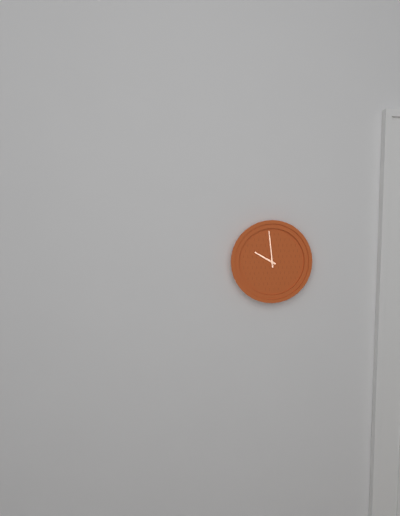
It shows 9.59
